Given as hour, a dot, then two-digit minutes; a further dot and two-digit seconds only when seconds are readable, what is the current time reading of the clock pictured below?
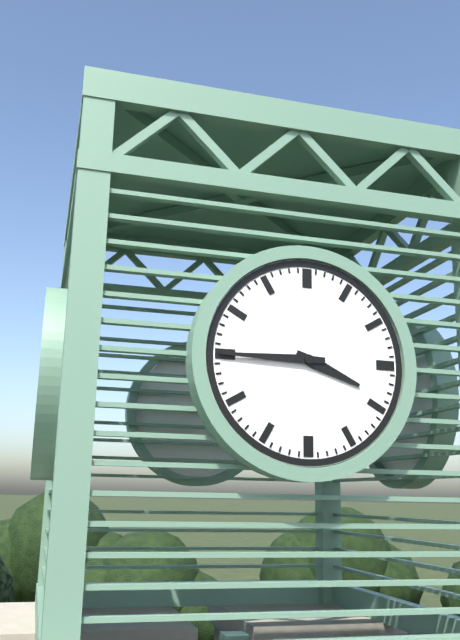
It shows 3.45
